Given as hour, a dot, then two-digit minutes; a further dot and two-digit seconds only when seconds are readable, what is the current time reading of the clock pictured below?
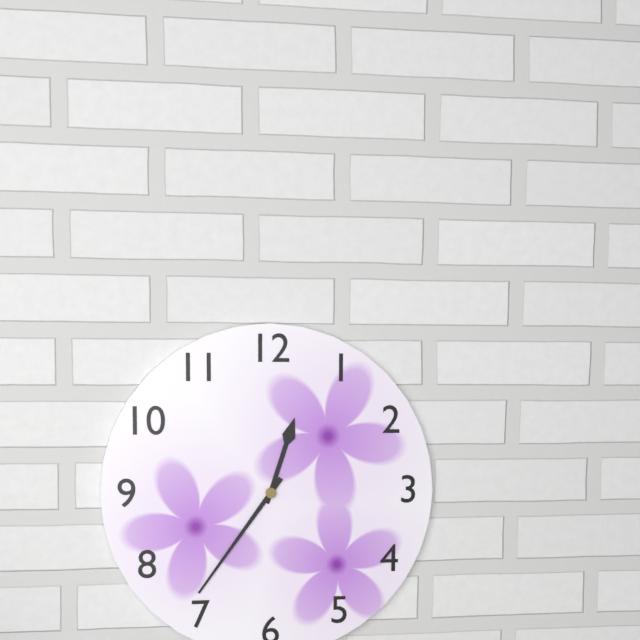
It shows 12.36
